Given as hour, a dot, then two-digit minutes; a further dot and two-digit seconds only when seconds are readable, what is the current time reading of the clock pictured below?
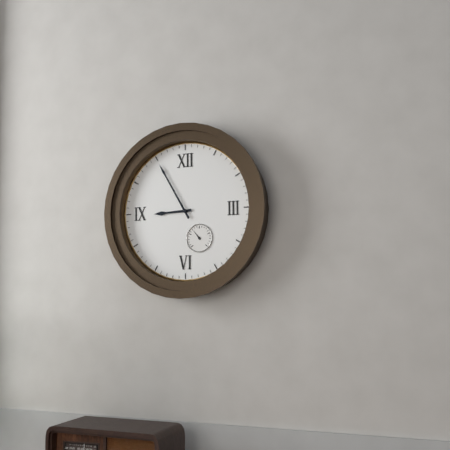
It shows 8.55
